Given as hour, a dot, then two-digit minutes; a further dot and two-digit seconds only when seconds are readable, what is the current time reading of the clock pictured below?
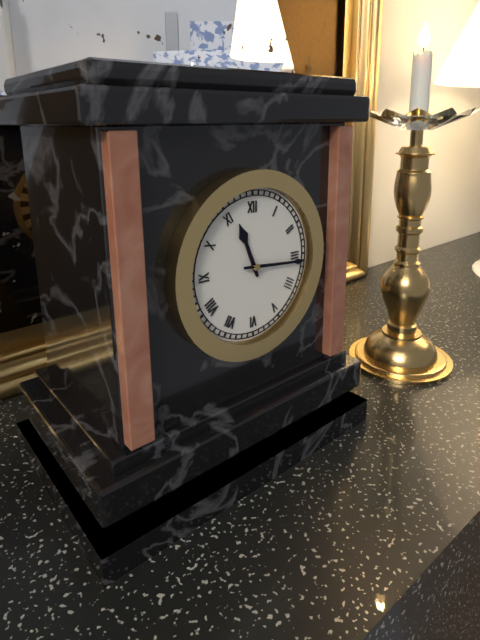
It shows 11.16
